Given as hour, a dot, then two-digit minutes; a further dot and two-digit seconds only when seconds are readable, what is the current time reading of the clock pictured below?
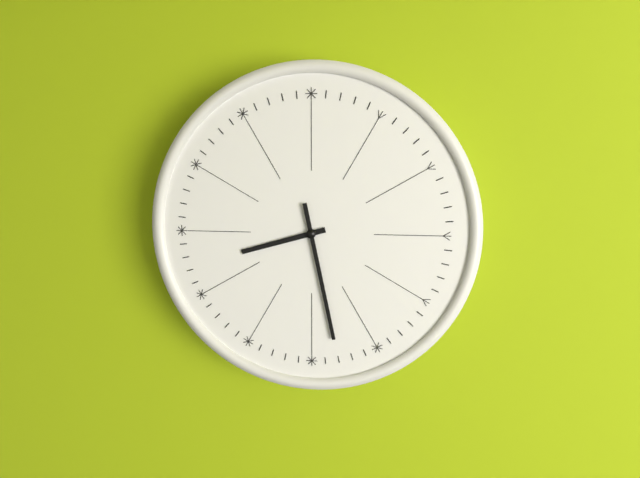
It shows 8.28
